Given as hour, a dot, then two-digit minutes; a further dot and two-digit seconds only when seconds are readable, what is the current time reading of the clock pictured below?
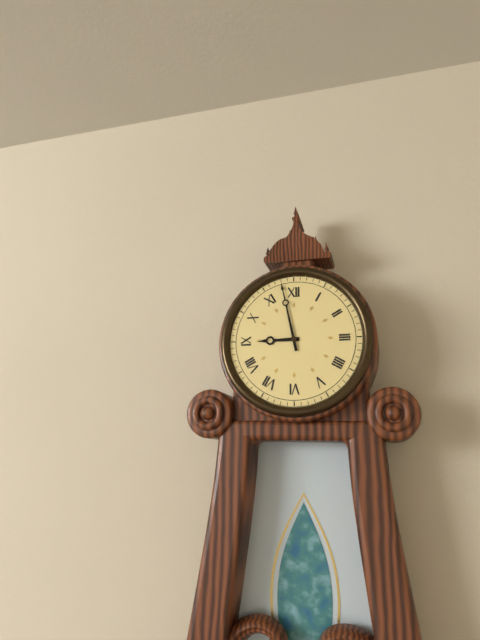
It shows 8.58
